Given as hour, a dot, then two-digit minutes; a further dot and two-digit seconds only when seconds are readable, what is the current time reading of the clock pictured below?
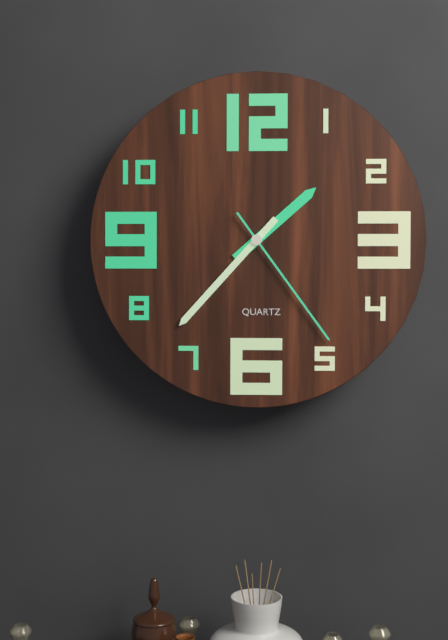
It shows 1.37.24
